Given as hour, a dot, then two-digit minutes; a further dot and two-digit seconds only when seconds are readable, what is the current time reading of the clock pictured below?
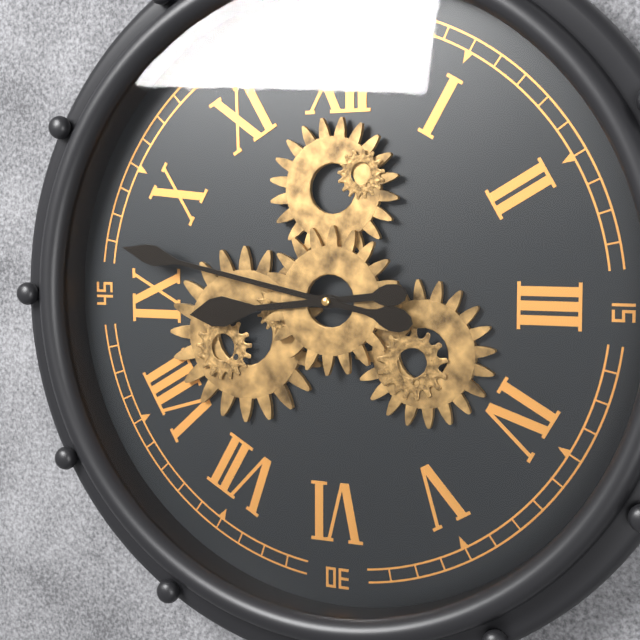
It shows 8.47
